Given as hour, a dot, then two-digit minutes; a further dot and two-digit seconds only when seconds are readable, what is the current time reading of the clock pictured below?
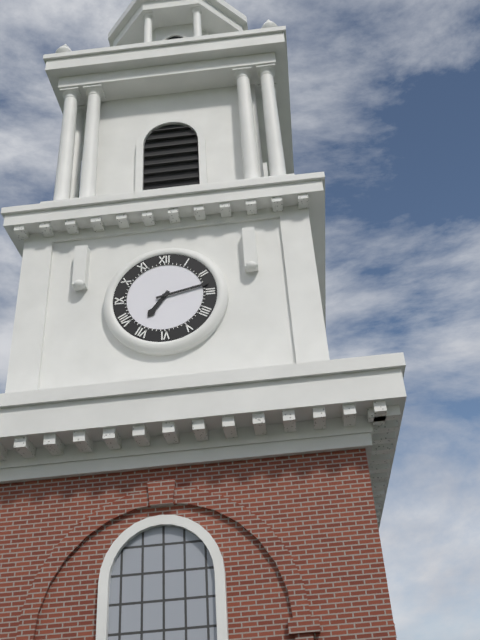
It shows 7.13
